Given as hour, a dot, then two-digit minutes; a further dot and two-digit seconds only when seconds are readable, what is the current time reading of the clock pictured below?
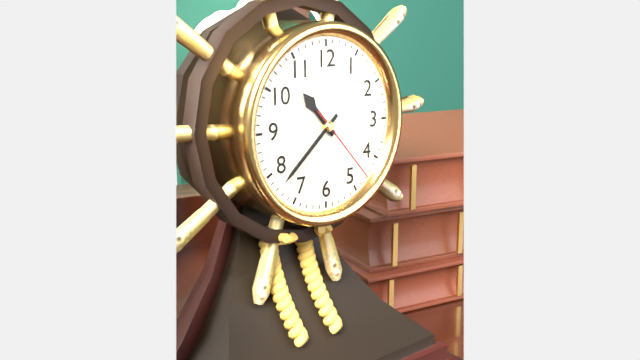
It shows 10.38.23
